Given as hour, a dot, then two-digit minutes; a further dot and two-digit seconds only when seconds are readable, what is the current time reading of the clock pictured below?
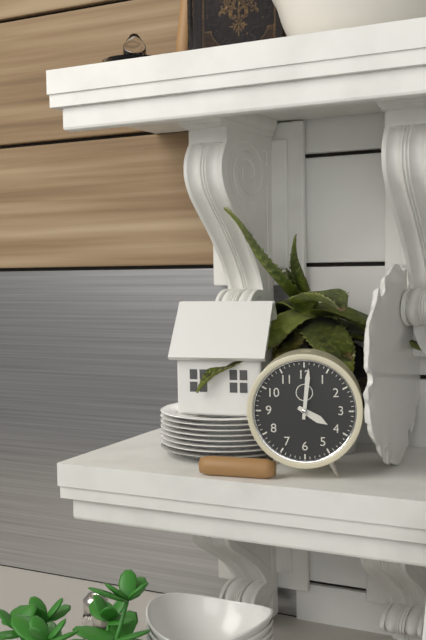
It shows 4.01
